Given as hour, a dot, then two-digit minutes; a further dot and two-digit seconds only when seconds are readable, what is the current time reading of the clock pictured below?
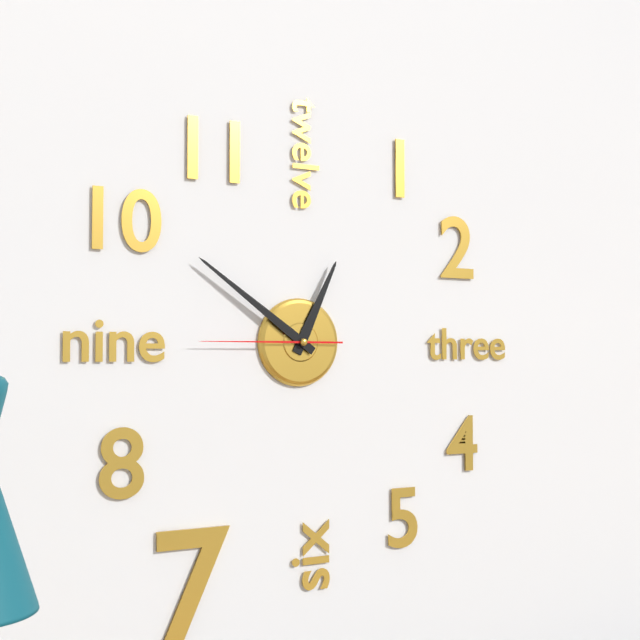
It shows 12.51.45
